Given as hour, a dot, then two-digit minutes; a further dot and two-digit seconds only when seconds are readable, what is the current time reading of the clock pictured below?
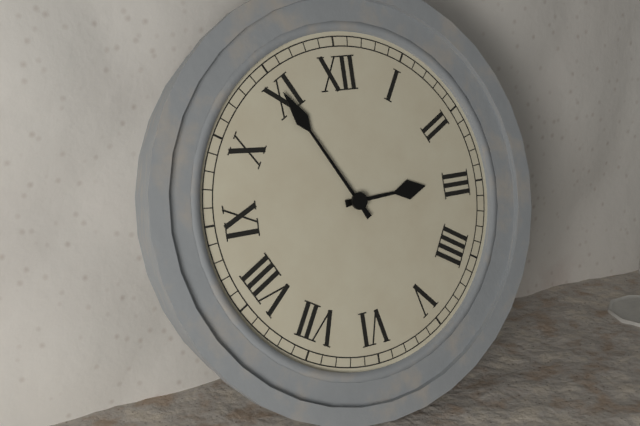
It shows 2.55
